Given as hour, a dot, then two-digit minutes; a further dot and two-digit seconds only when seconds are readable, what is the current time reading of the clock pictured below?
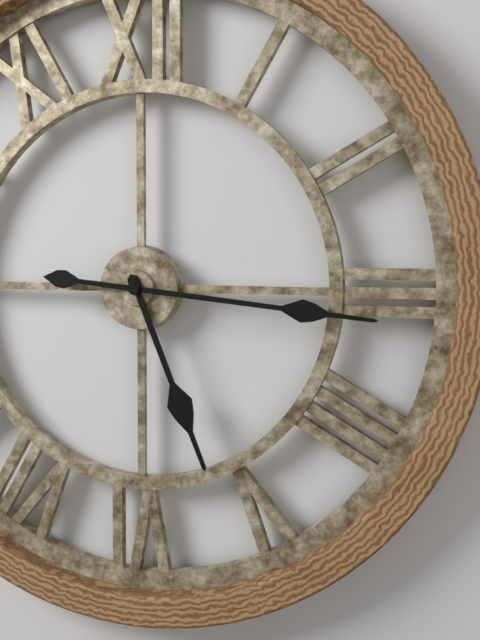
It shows 5.16
